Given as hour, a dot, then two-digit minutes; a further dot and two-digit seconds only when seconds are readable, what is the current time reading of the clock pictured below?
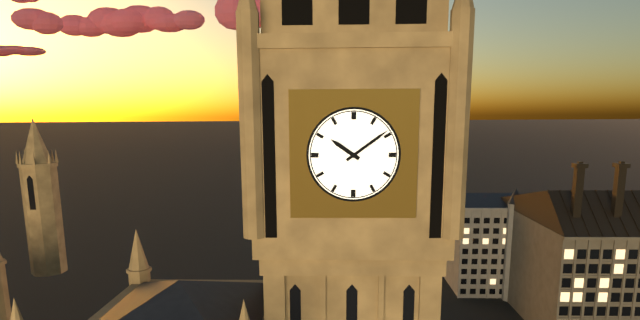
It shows 10.09
